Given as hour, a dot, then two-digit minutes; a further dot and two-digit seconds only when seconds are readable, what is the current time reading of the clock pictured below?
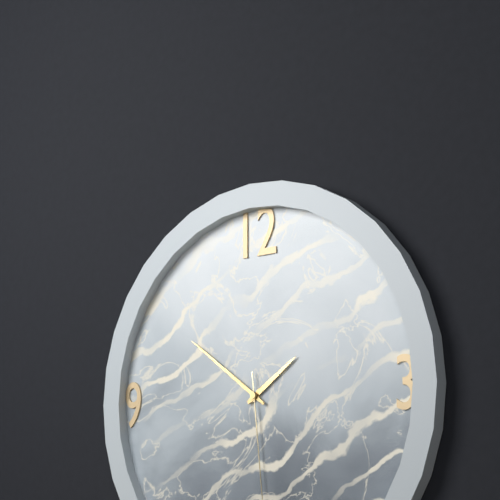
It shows 1.51
